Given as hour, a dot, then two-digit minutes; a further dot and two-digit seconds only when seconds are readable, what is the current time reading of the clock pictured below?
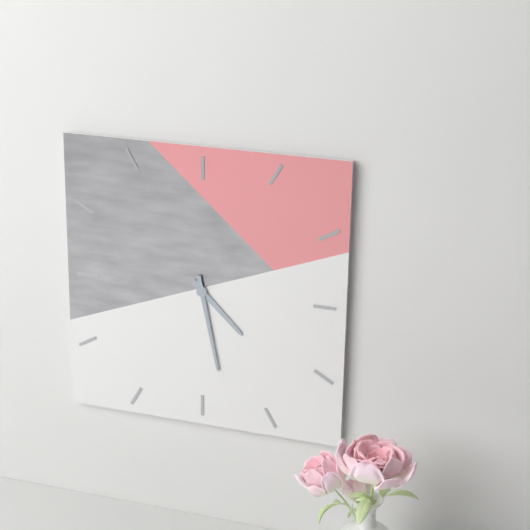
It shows 4.28
